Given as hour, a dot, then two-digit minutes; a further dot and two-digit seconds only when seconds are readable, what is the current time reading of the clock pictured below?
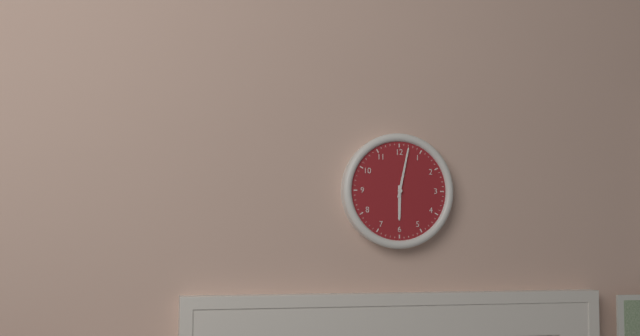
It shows 6.02
